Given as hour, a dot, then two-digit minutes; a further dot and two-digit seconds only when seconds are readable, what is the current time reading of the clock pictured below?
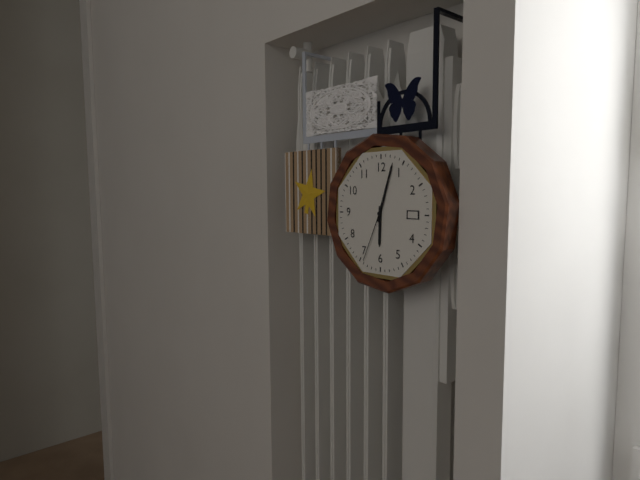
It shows 6.03.34
